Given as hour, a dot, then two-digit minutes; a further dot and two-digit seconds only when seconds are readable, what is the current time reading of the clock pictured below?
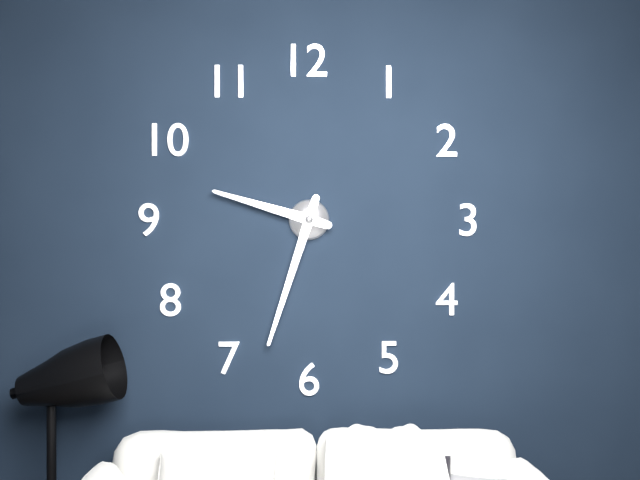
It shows 9.33
